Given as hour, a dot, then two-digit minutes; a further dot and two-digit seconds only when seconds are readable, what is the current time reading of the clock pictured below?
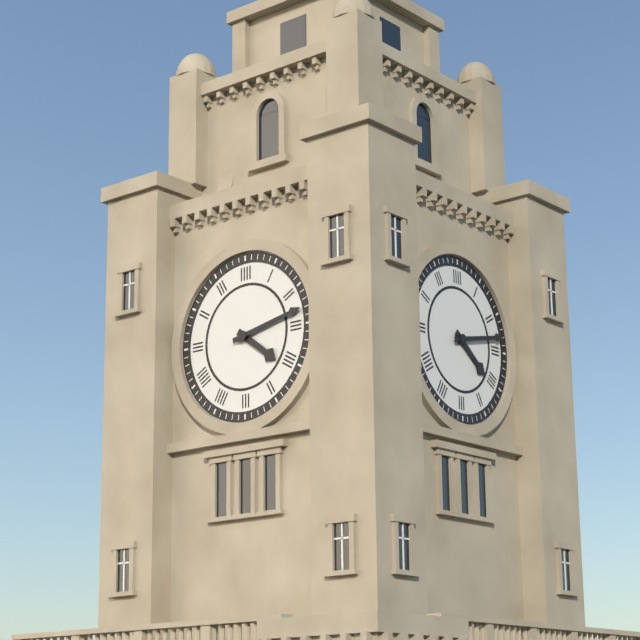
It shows 4.13
